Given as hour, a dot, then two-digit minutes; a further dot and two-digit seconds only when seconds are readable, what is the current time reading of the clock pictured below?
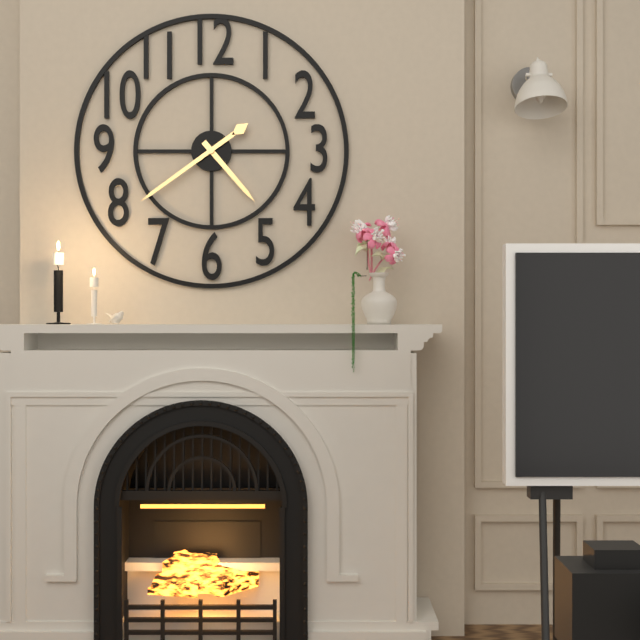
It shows 4.39
